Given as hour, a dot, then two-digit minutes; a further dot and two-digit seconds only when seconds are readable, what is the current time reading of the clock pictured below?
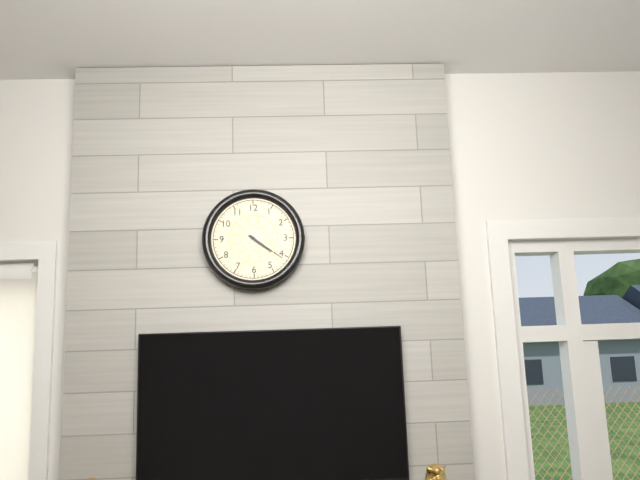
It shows 4.21
